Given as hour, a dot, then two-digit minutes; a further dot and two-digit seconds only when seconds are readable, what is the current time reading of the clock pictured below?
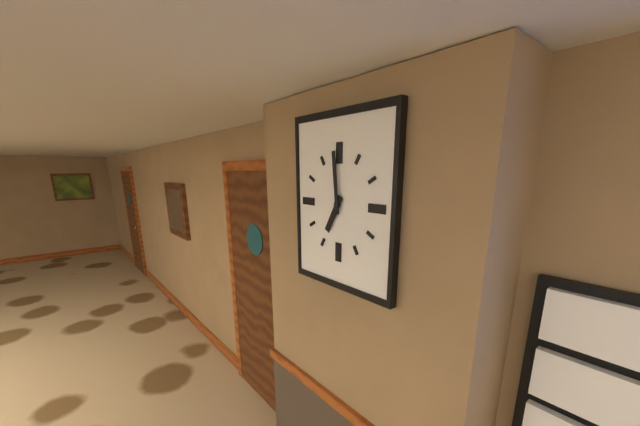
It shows 6.59
